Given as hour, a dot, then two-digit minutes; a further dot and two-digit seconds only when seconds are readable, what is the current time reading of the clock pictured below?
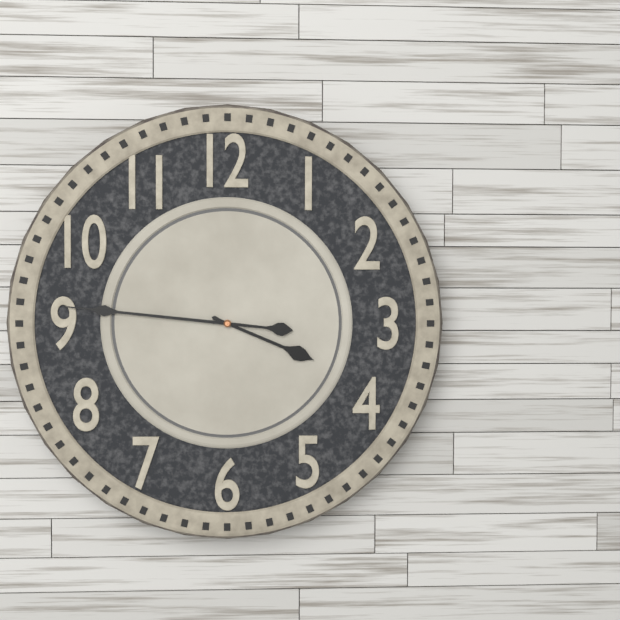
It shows 3.46
